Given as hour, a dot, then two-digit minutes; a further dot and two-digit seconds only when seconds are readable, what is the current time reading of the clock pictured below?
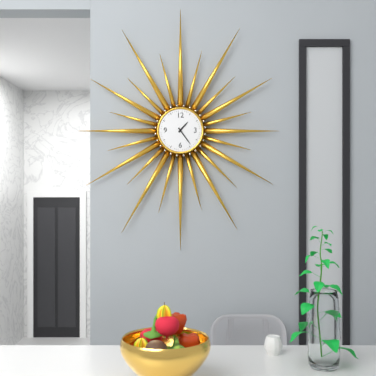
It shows 1.24
